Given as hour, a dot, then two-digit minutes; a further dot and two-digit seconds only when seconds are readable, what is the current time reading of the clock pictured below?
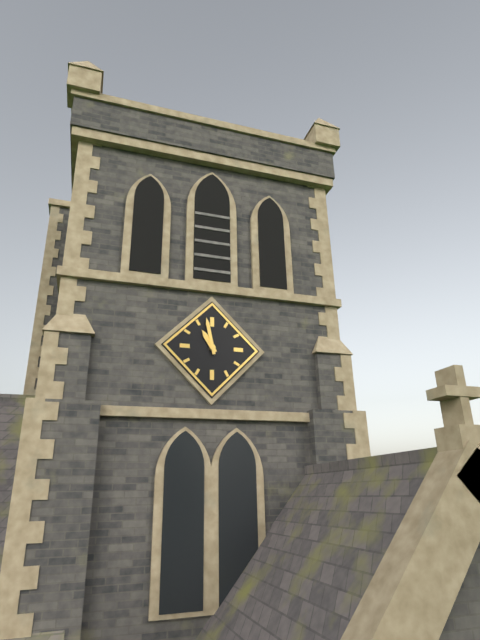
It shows 10.58
